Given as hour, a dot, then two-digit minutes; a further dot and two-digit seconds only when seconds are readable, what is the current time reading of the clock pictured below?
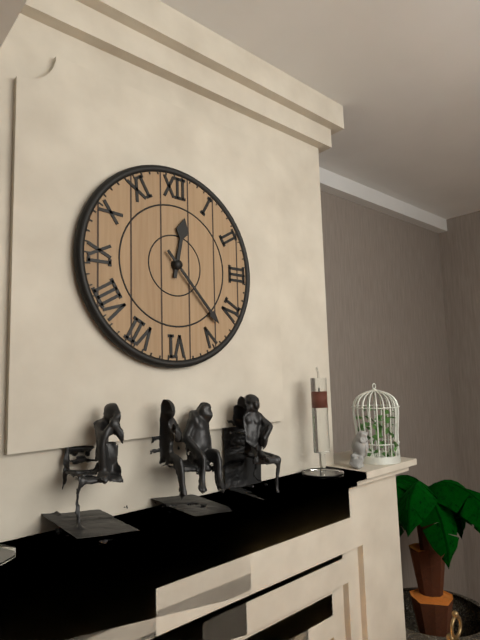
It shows 12.23
